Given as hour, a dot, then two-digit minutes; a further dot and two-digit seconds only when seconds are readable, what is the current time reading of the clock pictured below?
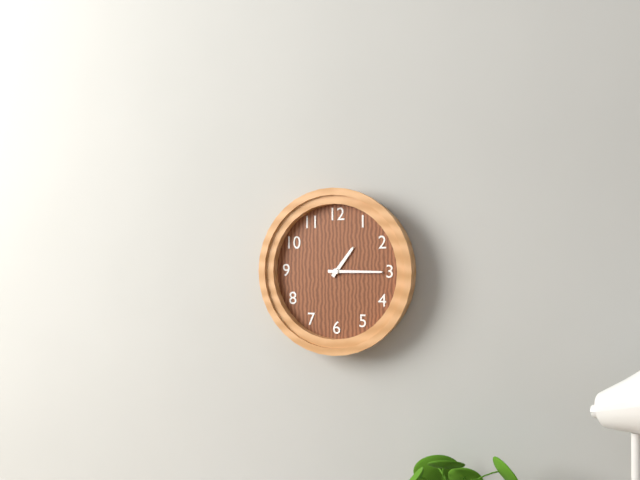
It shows 1.15
